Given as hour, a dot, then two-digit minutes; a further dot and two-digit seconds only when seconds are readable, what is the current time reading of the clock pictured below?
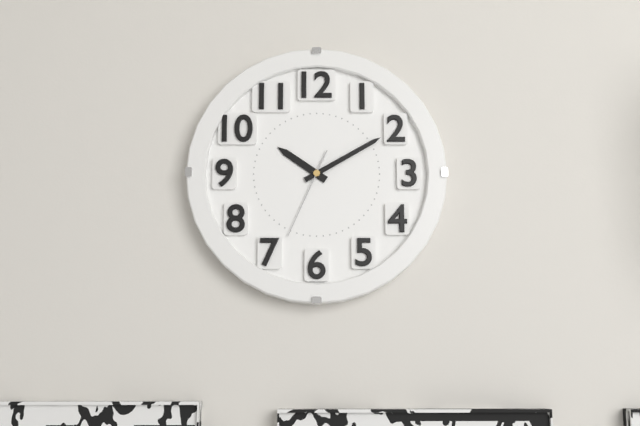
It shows 10.10.34
